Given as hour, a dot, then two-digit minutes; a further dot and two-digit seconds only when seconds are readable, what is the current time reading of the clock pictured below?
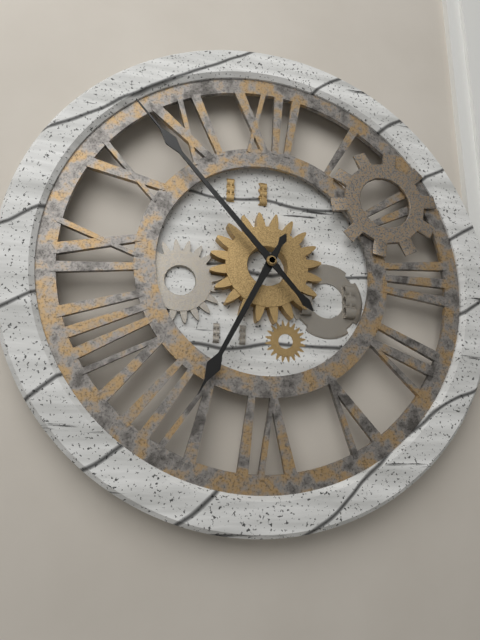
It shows 6.53
